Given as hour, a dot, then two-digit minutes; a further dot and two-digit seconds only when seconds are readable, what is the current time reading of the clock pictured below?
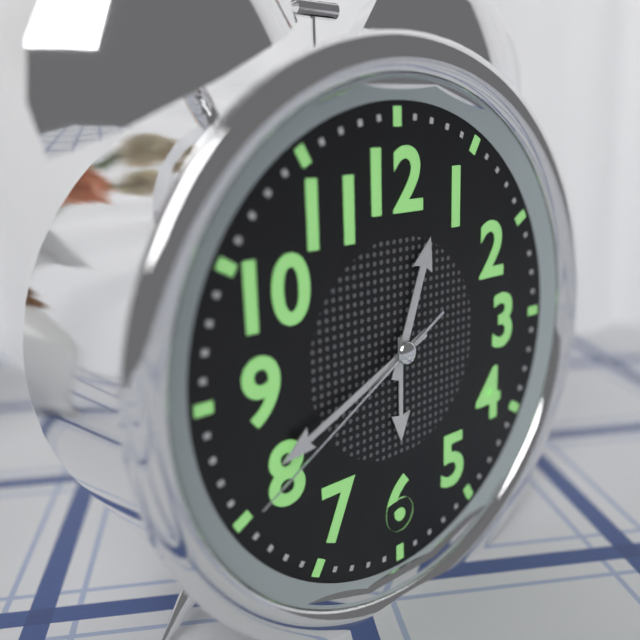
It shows 12.41.40
